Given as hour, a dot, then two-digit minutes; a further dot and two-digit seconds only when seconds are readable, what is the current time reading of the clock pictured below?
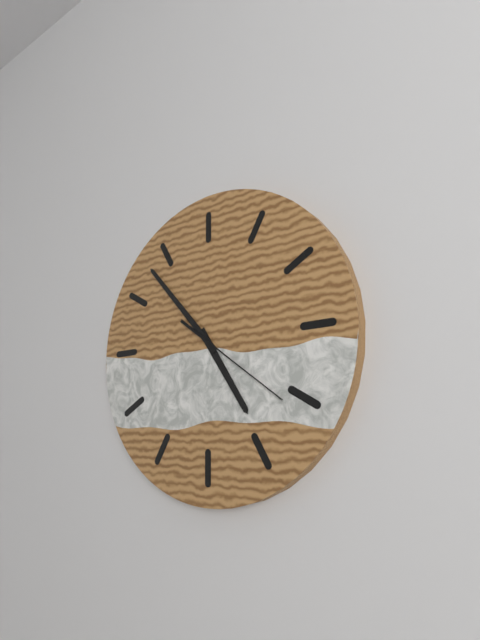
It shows 4.53.21
